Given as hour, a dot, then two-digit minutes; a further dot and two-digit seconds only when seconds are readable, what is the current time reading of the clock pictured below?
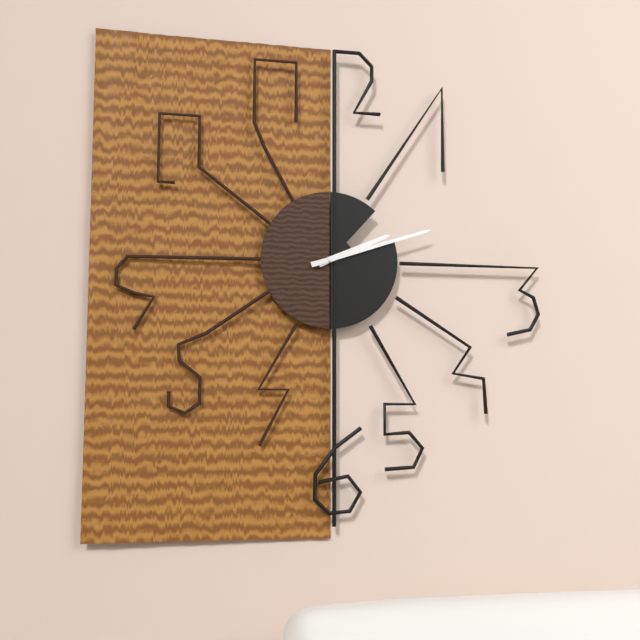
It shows 2.12
